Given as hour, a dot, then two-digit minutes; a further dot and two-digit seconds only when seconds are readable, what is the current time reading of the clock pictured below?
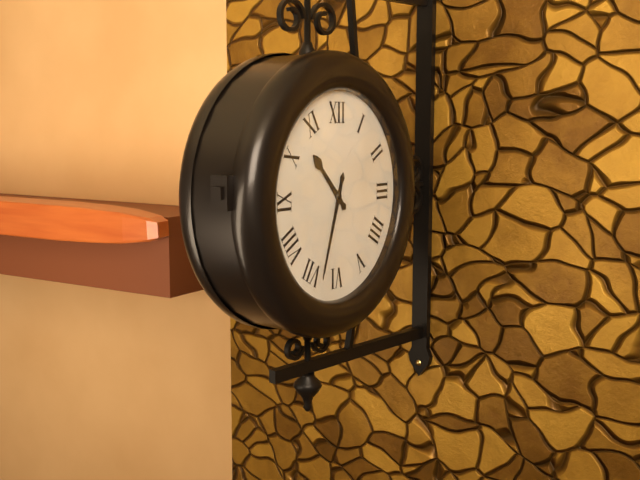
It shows 10.33
